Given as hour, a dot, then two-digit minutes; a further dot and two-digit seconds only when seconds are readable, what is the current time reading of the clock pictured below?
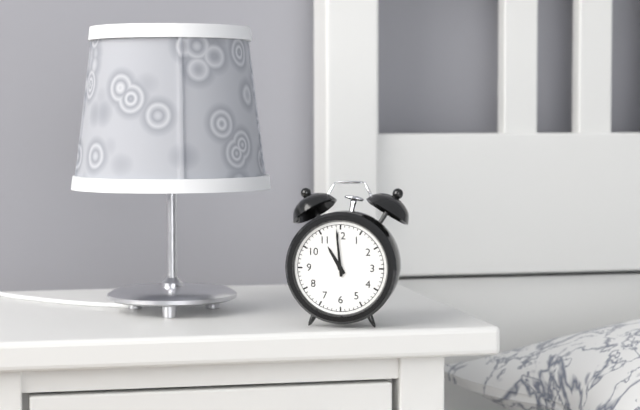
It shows 10.59
